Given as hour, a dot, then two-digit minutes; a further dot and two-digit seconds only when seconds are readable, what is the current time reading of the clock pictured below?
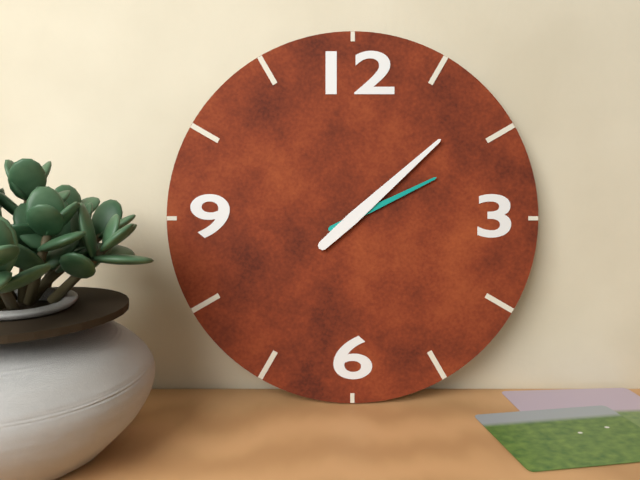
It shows 2.08
